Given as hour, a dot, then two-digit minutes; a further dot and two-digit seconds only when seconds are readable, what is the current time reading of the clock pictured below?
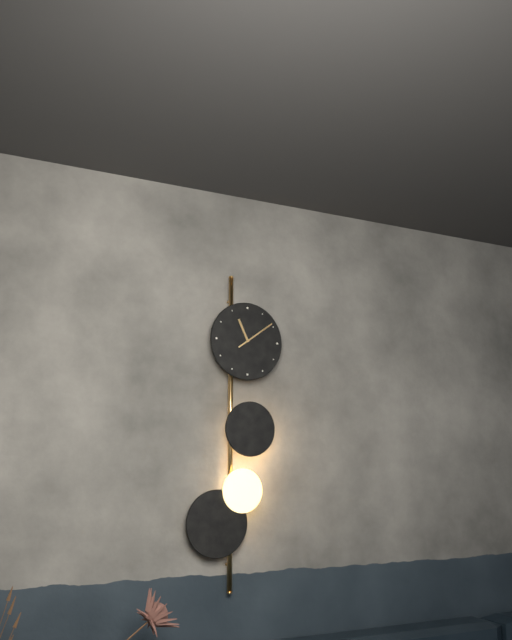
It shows 11.09
